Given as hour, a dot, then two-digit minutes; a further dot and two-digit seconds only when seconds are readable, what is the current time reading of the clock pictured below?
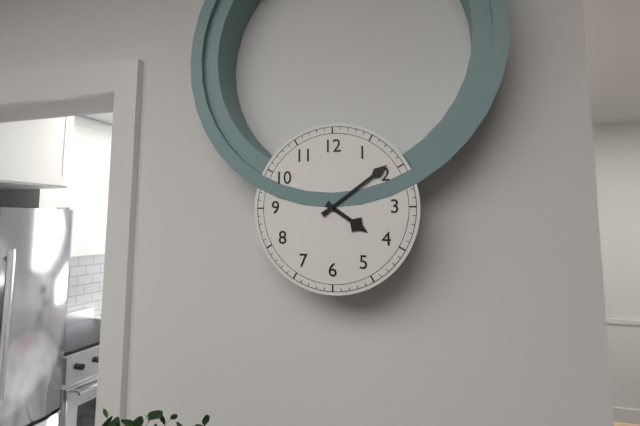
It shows 4.09
